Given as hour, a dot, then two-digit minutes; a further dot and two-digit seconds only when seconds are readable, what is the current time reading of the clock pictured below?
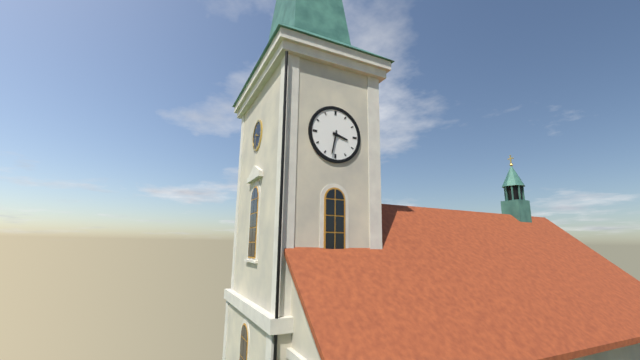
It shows 3.32
